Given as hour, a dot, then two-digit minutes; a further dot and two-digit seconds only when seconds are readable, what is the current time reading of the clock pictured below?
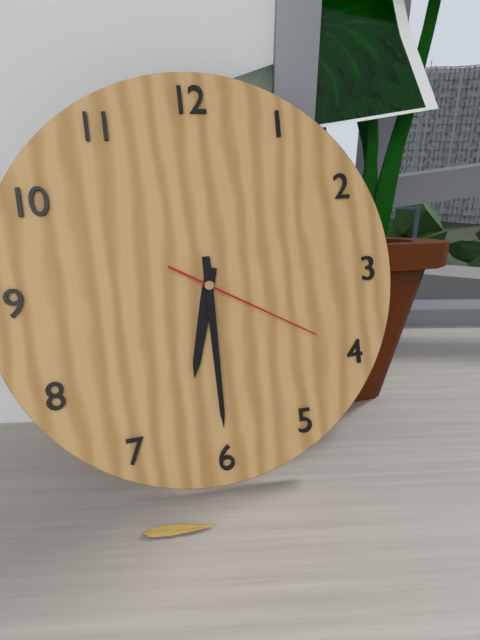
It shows 6.30.20
